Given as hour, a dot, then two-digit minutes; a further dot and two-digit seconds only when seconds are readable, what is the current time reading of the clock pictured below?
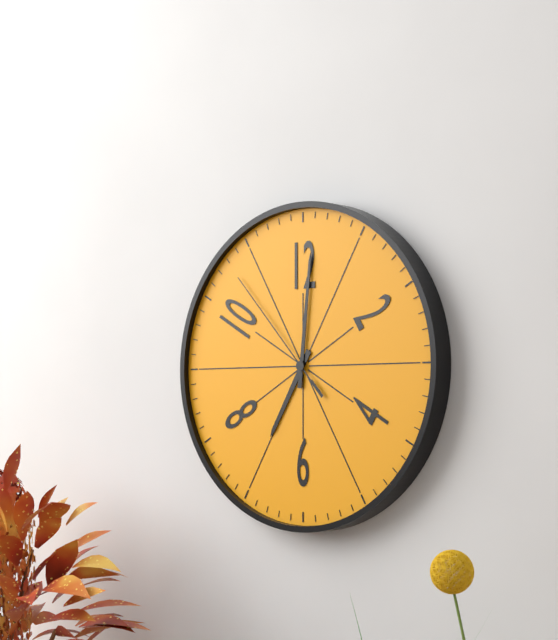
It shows 7.01.53
